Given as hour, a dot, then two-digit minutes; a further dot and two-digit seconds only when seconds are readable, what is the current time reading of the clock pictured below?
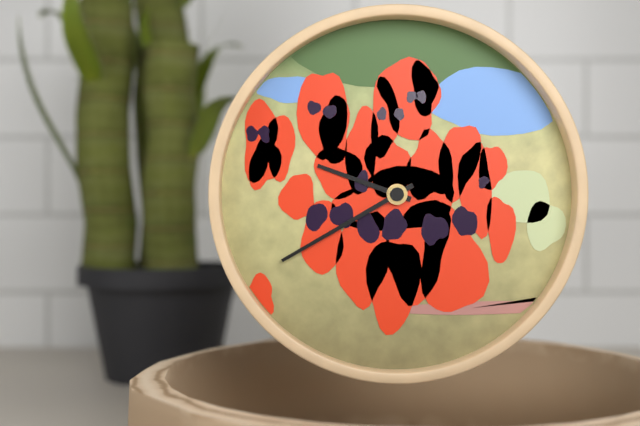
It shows 9.40
